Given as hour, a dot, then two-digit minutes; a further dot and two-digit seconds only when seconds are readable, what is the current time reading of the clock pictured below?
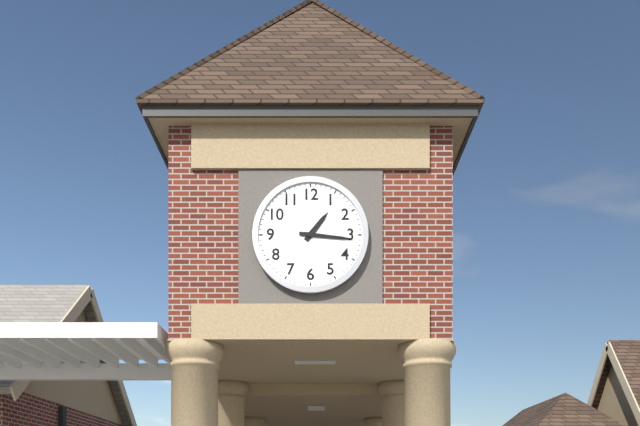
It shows 1.16
